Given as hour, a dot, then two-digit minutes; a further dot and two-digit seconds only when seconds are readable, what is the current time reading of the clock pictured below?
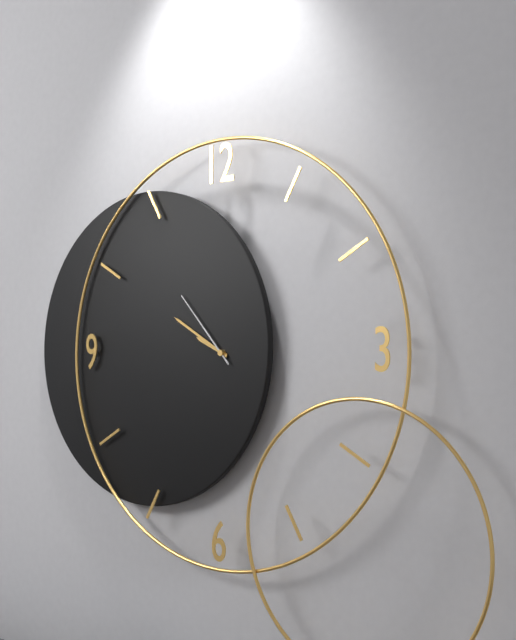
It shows 9.50.53
